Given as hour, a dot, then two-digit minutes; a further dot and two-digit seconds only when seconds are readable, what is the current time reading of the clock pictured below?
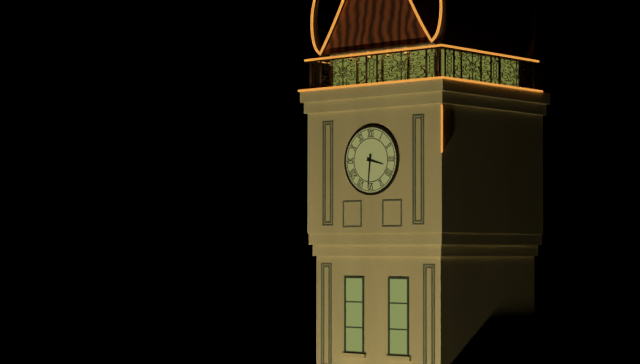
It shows 3.31
